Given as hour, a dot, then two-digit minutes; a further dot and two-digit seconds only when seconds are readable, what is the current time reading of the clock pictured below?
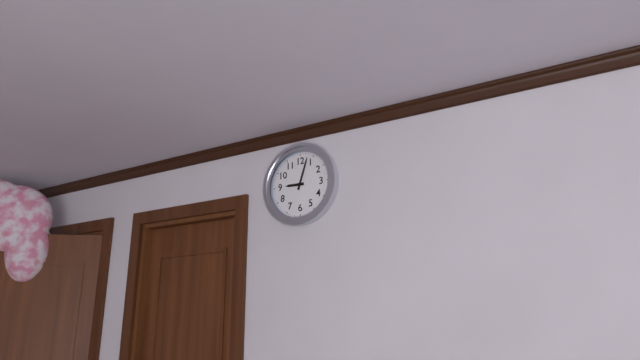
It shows 9.03
